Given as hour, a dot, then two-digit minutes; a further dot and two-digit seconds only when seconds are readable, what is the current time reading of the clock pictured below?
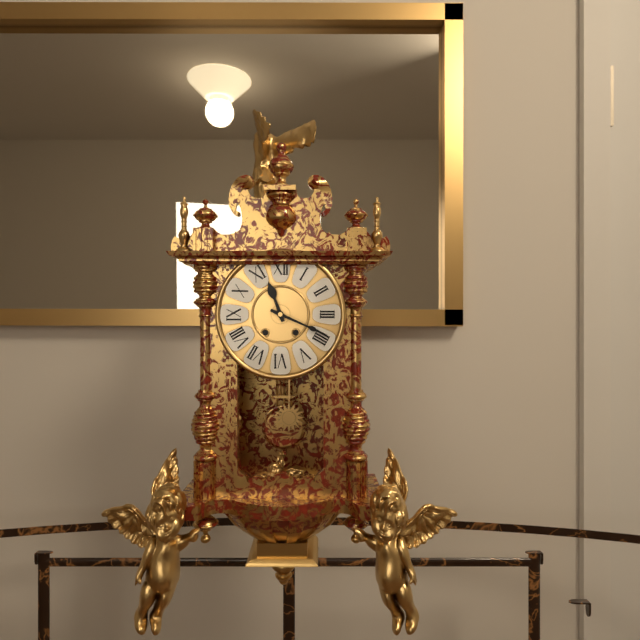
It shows 11.19
